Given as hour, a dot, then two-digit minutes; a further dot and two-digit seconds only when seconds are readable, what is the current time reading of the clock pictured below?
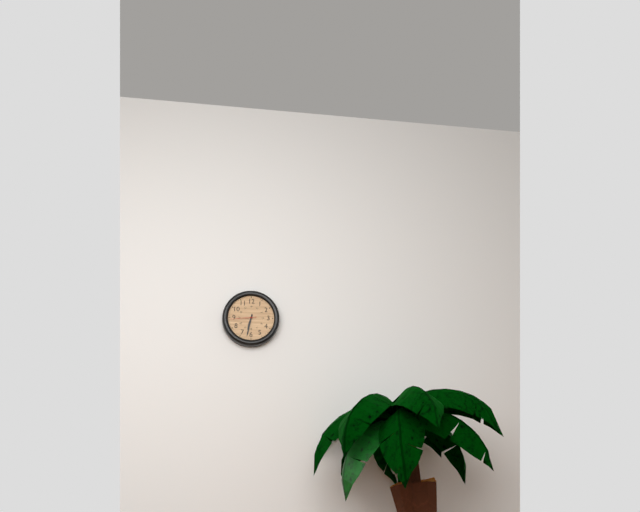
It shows 6.32
